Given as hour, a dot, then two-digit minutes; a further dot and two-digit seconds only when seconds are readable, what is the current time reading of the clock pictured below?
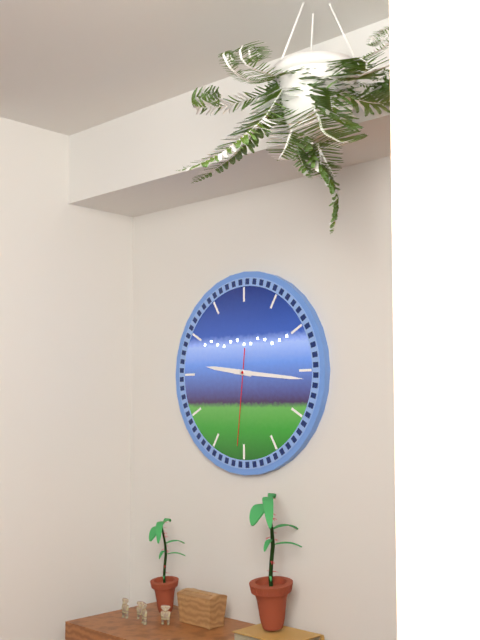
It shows 9.16.31
